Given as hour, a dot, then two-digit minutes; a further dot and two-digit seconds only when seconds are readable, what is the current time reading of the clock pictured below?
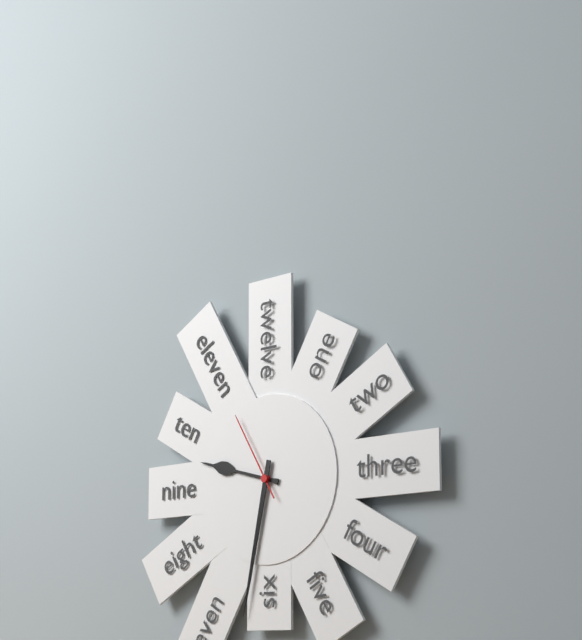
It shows 9.32.55
